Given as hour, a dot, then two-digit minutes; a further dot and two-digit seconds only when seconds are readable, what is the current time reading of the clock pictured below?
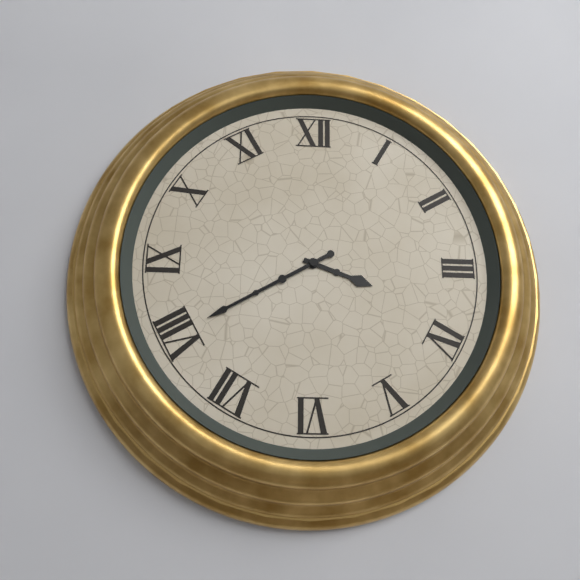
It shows 3.40
